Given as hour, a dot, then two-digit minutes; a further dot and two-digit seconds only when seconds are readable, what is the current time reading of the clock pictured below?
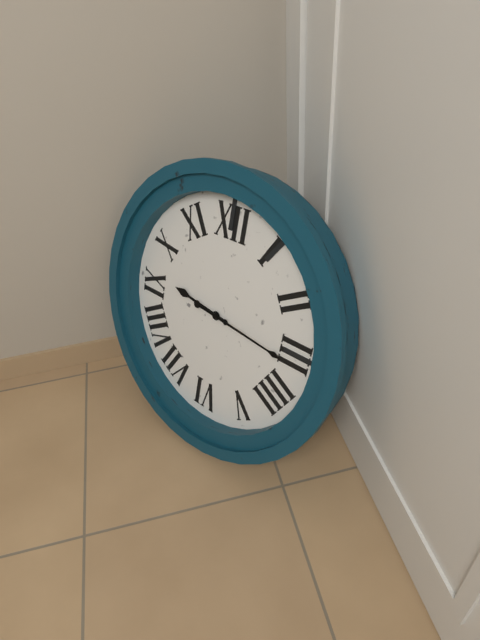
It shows 9.16
